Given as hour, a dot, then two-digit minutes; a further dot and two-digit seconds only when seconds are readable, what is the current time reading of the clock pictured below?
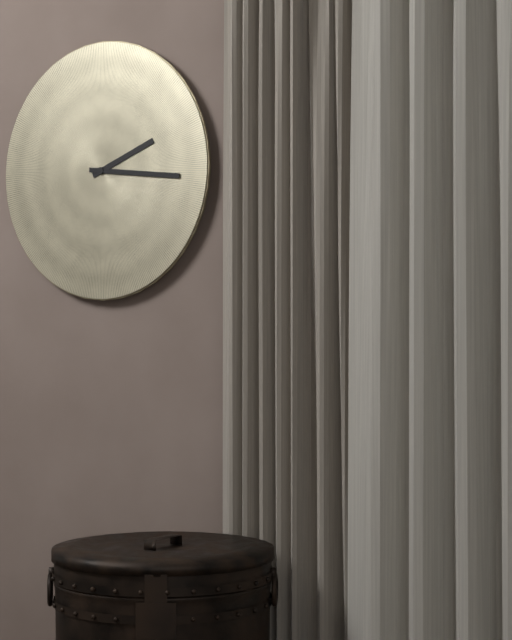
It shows 2.16
